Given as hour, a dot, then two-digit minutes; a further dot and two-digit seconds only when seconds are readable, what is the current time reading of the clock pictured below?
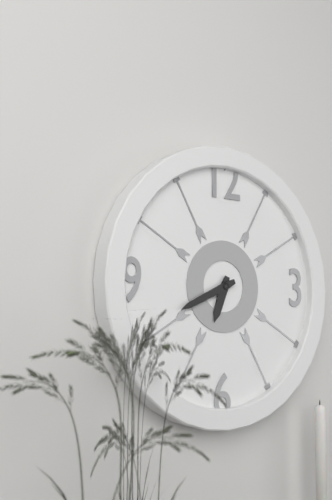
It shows 6.41
